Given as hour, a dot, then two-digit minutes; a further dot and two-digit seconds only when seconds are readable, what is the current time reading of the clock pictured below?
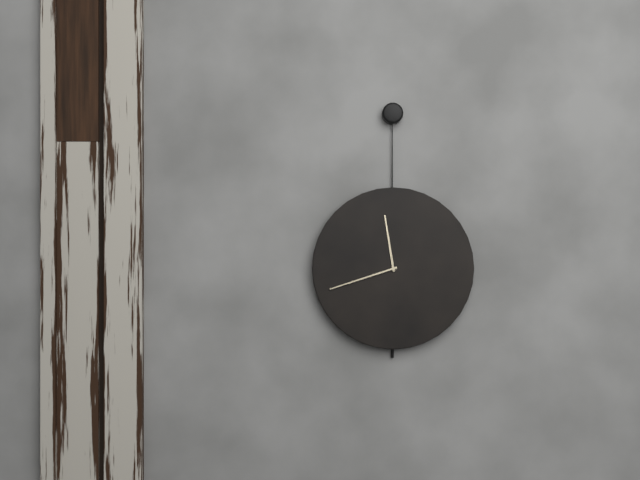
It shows 11.42
